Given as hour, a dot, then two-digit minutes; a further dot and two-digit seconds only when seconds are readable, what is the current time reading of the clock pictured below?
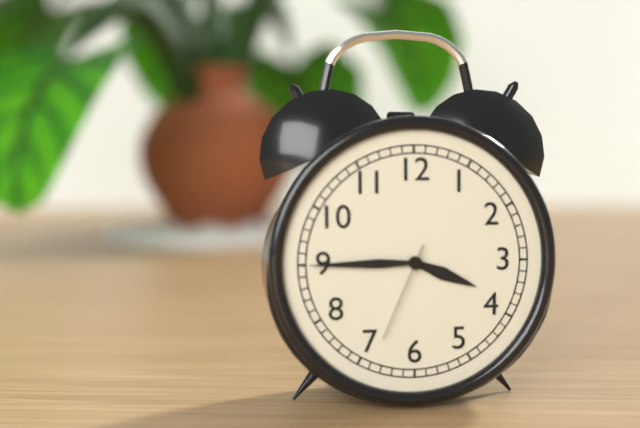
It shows 3.45.34
